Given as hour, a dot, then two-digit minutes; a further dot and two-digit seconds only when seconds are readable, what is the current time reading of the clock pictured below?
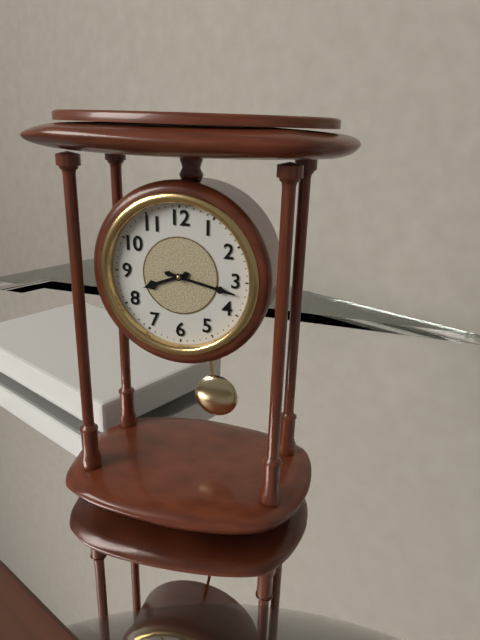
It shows 8.17
